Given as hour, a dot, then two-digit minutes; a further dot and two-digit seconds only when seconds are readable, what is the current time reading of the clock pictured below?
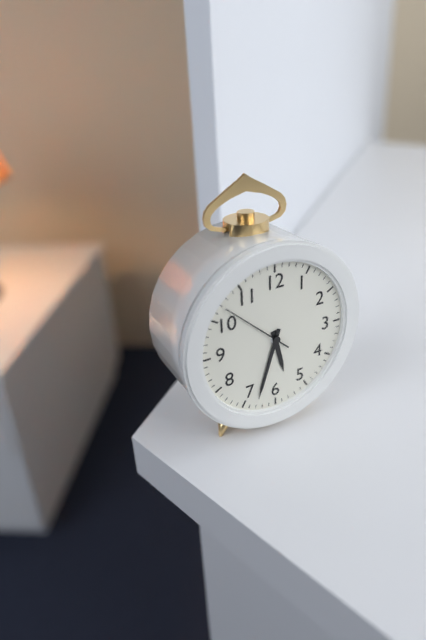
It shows 5.33.52
